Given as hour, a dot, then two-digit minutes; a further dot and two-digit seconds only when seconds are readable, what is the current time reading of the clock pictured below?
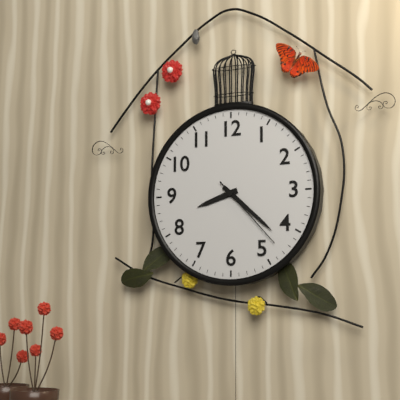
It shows 8.22.23
